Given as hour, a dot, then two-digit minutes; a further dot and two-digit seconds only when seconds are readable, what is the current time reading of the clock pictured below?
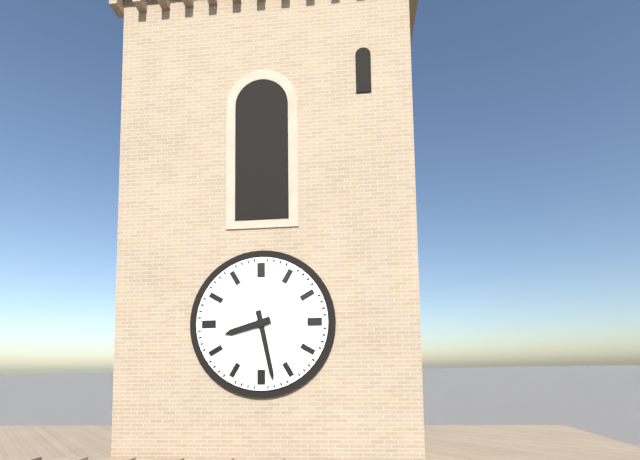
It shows 8.28
